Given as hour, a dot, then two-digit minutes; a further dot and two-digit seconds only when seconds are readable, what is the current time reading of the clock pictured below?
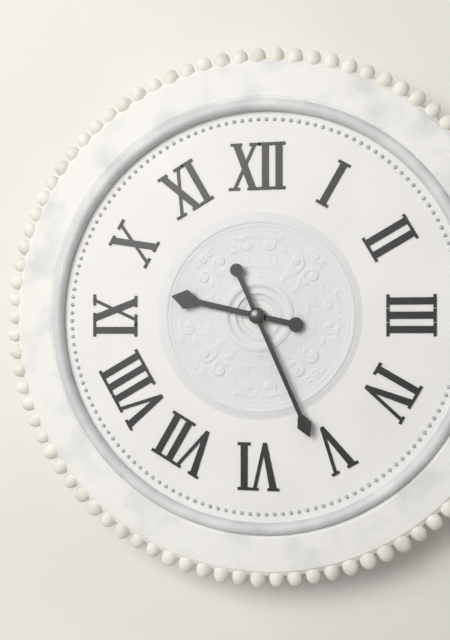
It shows 9.26
